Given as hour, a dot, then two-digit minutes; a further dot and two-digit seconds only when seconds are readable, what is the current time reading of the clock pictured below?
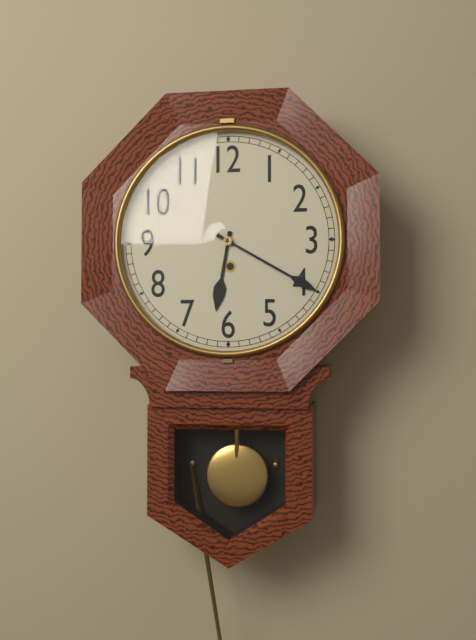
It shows 6.20
